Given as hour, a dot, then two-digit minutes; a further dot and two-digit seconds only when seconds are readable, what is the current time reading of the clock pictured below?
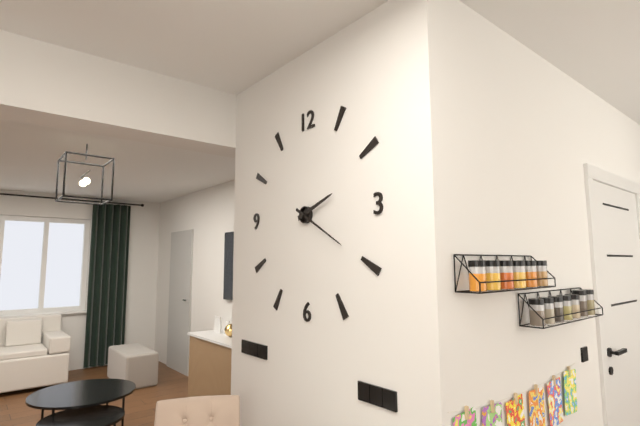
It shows 2.20
